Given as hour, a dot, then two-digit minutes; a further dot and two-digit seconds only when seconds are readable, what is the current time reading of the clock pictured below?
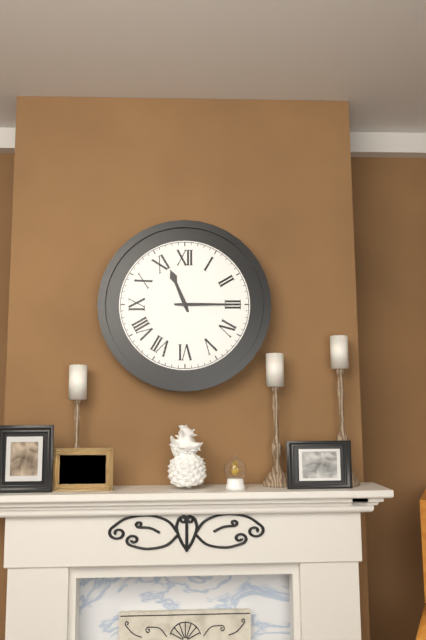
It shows 11.15
